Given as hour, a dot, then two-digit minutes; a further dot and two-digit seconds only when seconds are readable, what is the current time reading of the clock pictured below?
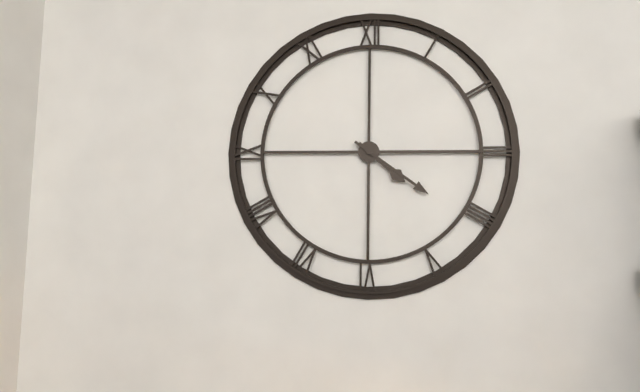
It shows 4.21
